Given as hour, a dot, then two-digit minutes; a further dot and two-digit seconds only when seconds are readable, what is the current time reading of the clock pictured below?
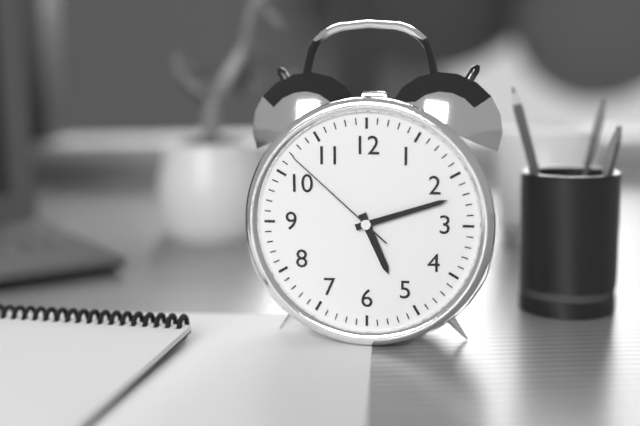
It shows 5.12.52
